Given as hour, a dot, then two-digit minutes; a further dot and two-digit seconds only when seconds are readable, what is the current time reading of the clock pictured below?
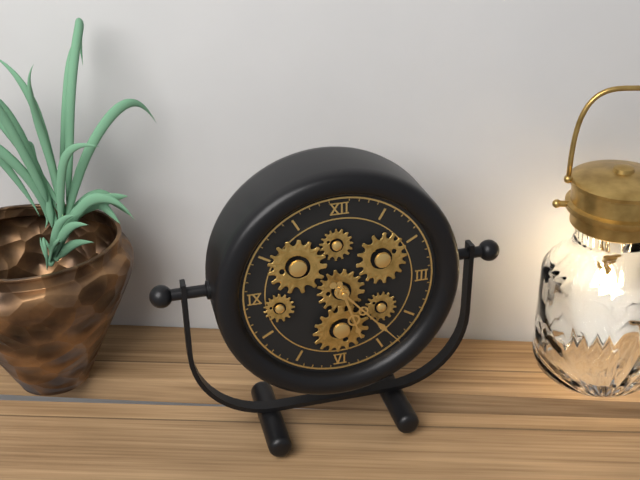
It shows 5.23
